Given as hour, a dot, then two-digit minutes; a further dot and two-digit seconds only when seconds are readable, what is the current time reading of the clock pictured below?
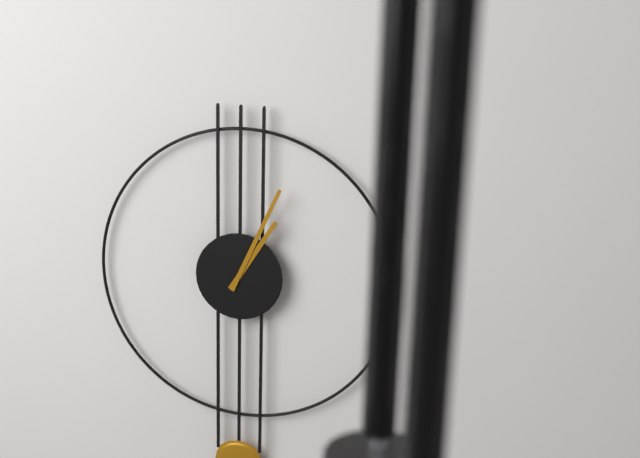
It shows 1.04
